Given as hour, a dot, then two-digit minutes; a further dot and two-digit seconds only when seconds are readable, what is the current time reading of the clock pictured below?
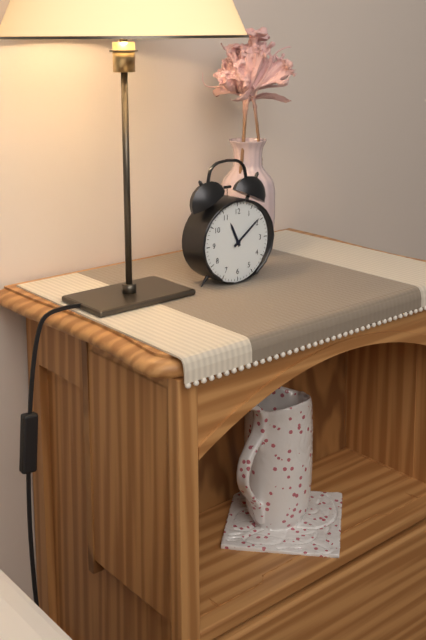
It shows 11.09
